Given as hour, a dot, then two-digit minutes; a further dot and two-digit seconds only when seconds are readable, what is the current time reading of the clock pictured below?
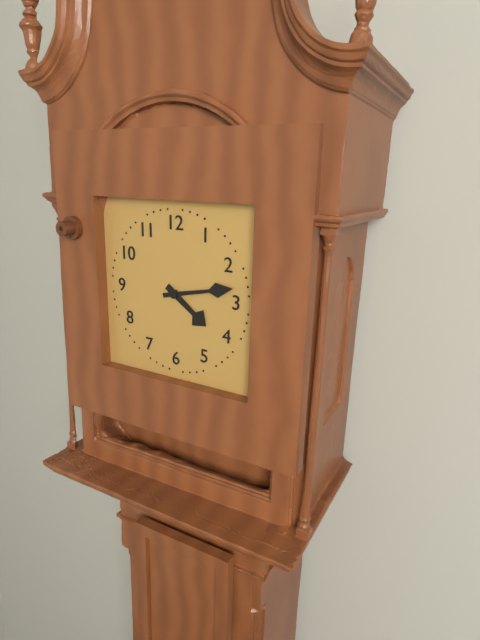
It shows 4.13
